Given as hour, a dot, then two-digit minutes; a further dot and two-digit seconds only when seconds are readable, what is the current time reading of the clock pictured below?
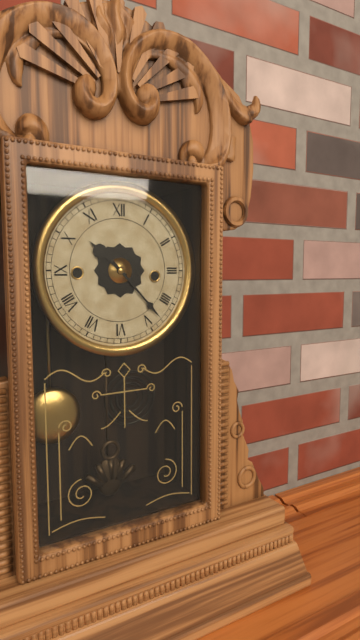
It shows 10.23
